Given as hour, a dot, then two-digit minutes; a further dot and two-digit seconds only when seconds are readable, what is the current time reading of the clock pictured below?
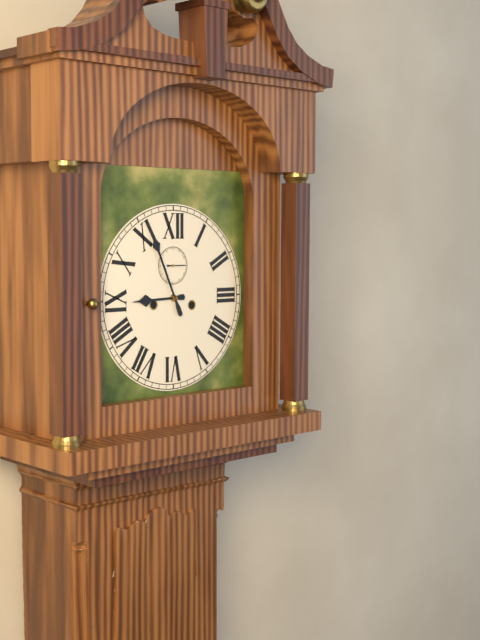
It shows 8.56
